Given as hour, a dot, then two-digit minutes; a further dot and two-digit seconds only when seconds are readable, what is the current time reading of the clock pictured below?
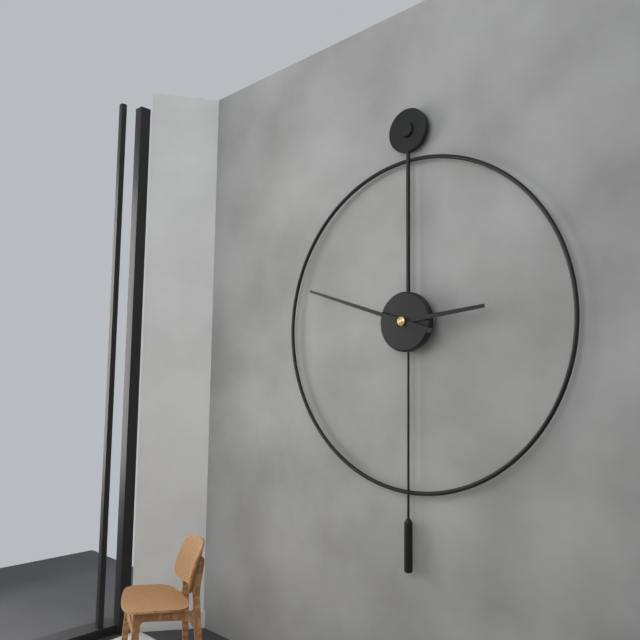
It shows 2.48
